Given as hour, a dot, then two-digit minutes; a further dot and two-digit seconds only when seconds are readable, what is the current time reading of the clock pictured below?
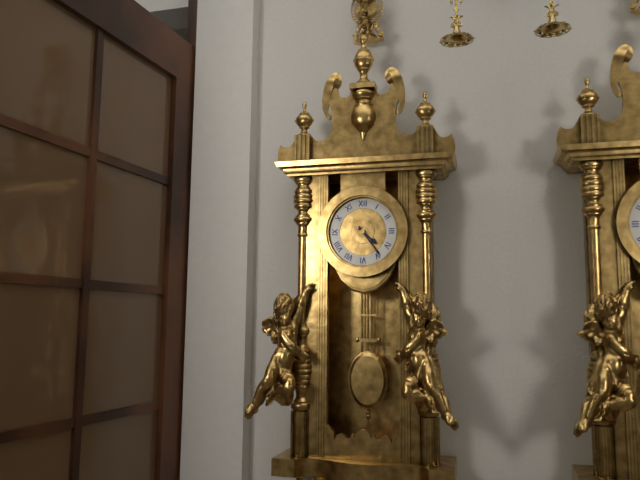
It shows 4.24
